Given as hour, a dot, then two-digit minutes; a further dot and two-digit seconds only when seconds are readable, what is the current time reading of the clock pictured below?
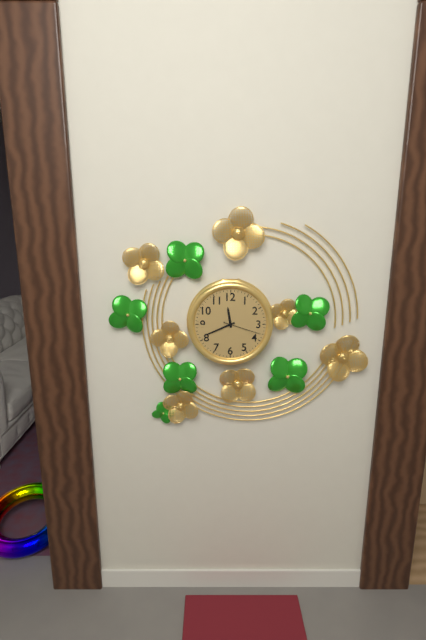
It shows 11.41
